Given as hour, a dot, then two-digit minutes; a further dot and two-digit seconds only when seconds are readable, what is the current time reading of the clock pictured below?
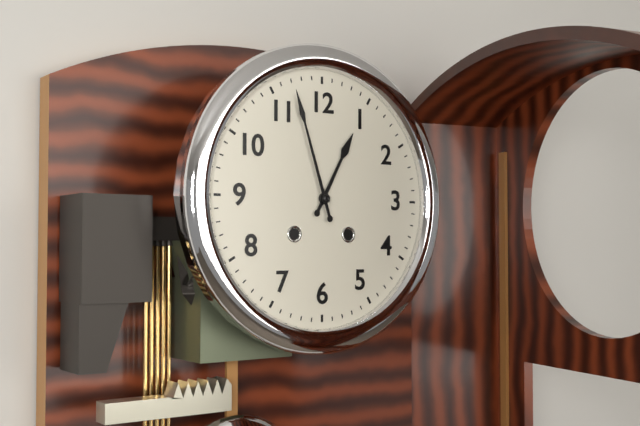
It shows 12.57
